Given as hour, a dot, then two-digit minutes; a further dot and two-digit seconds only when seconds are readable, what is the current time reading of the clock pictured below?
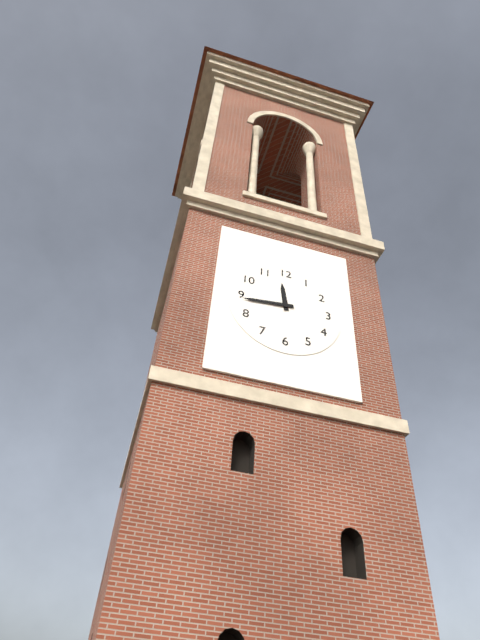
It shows 11.44
